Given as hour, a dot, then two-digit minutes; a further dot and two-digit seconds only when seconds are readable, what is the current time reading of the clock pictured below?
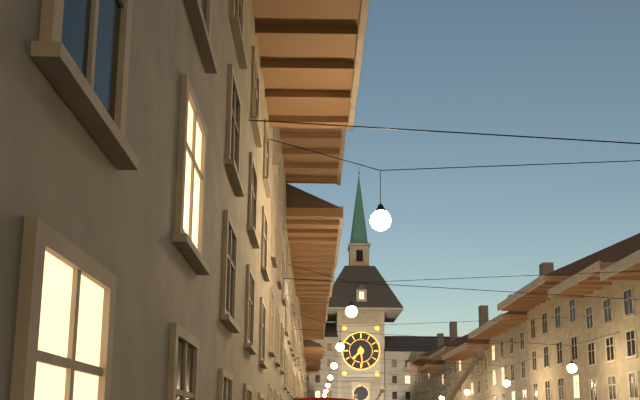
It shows 7.29
